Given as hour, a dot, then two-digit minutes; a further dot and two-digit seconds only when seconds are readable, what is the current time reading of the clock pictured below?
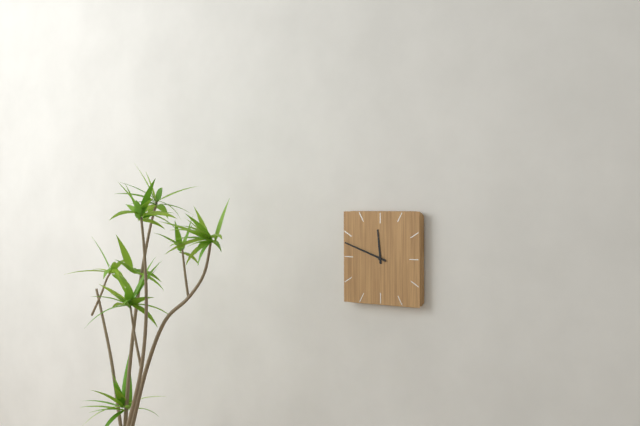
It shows 11.48
